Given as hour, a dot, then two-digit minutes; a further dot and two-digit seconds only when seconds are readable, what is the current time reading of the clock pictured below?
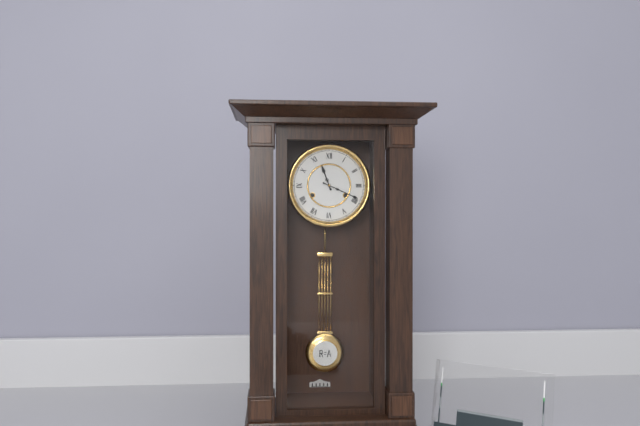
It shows 11.19
